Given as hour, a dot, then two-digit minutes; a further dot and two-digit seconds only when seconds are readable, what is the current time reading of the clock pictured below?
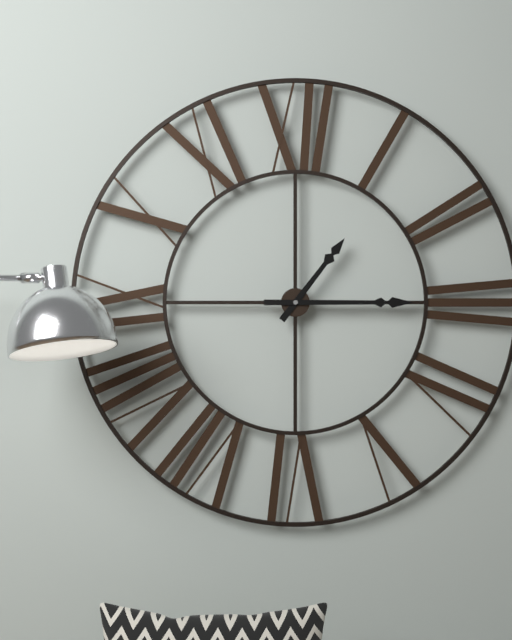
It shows 1.15
